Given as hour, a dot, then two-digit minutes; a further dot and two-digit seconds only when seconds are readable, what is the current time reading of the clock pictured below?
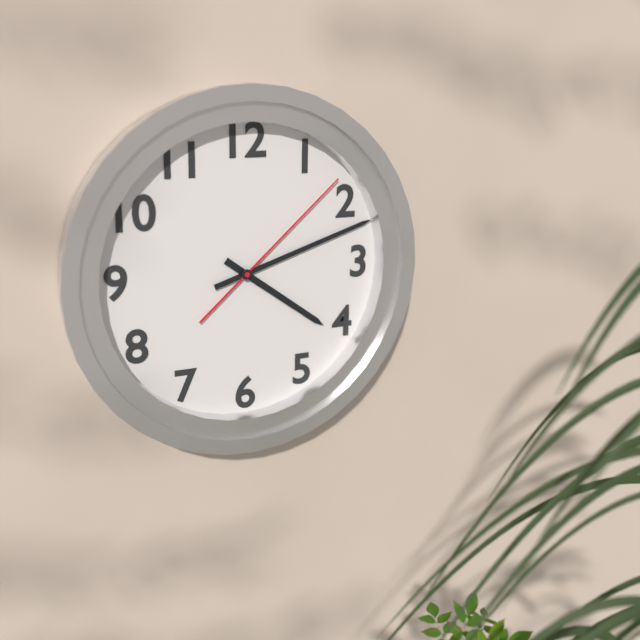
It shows 4.12.08
